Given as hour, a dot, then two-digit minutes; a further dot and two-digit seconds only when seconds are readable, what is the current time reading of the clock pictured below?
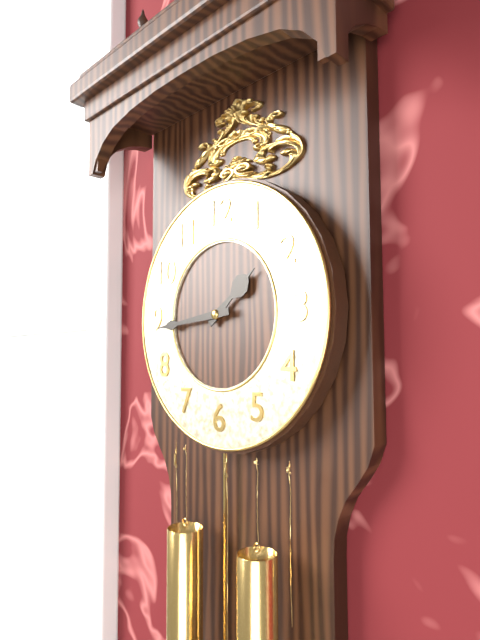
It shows 1.44
